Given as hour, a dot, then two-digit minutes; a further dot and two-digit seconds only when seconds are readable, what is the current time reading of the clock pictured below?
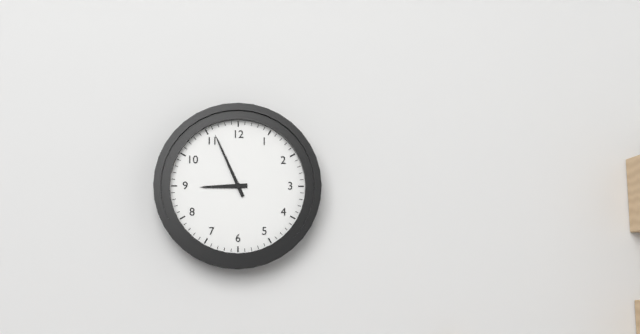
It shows 8.56
